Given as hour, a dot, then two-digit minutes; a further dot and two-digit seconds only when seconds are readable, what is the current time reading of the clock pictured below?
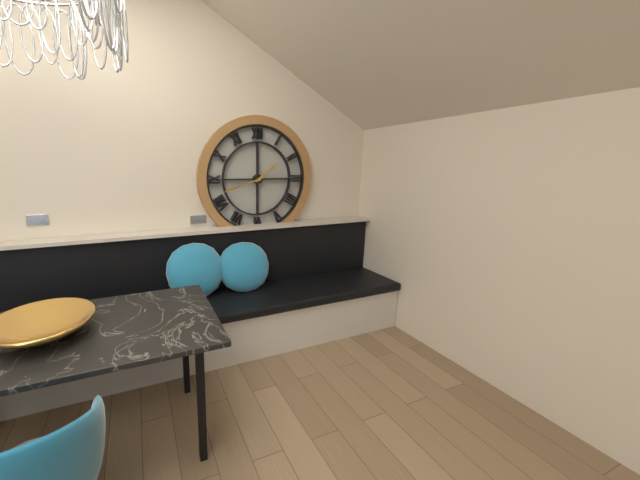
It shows 1.42
